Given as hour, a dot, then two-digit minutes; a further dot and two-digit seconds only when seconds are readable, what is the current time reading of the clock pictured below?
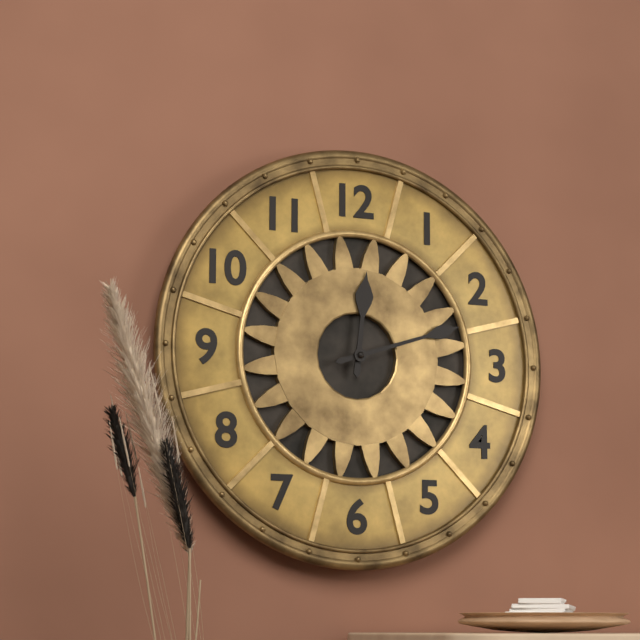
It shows 12.12
